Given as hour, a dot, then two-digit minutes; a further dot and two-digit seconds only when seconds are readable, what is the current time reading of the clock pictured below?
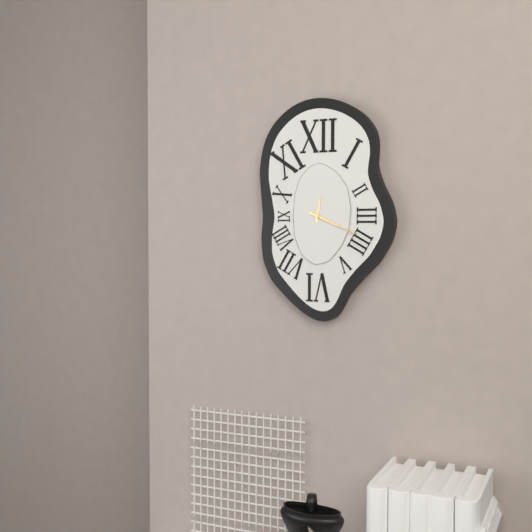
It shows 12.19
